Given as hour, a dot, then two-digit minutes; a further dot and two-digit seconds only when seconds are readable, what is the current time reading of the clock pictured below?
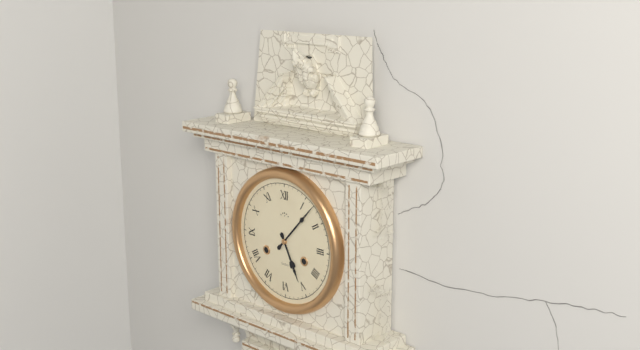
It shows 5.07
